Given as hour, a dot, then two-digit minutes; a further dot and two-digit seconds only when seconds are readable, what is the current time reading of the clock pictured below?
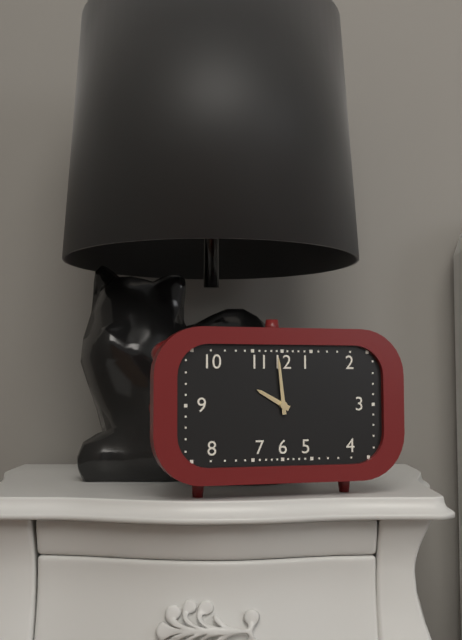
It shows 9.59
